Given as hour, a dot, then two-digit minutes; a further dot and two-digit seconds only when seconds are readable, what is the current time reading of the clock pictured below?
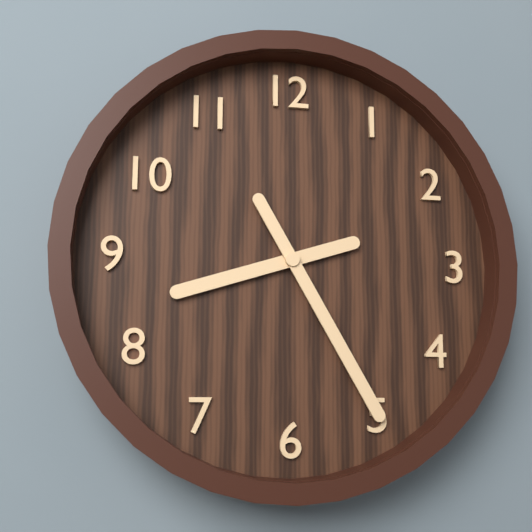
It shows 8.25
